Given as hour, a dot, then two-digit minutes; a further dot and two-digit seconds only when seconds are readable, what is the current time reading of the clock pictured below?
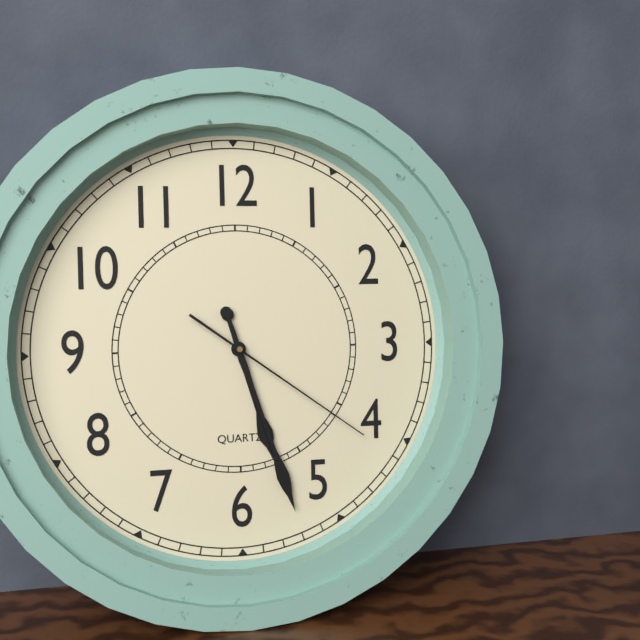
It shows 5.27.21
